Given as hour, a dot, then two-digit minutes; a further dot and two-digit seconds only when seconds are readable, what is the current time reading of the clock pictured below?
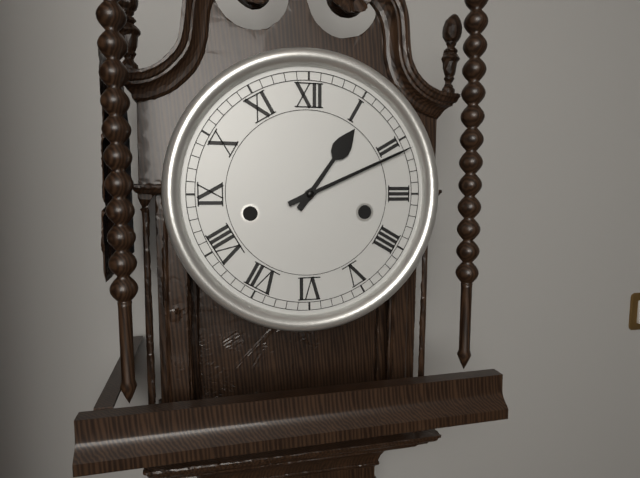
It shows 1.11
